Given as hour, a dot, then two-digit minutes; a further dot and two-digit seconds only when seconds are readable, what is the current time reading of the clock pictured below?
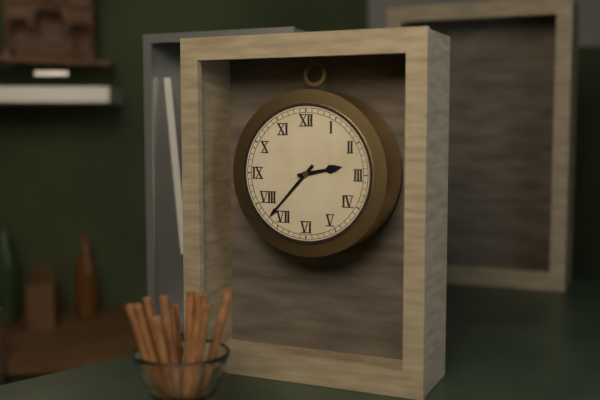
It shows 2.37
